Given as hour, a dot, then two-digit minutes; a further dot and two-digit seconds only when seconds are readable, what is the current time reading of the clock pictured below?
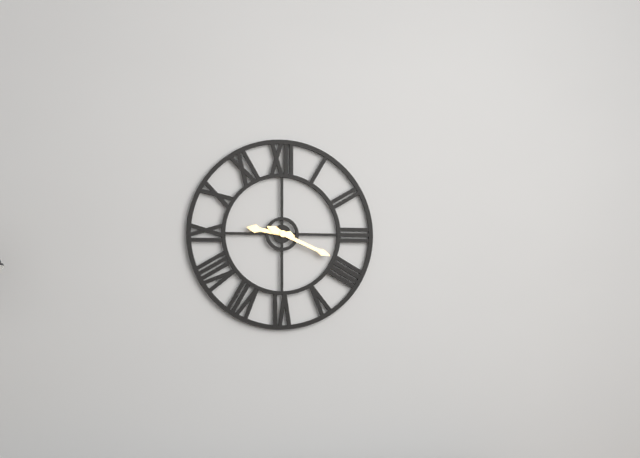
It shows 9.19
